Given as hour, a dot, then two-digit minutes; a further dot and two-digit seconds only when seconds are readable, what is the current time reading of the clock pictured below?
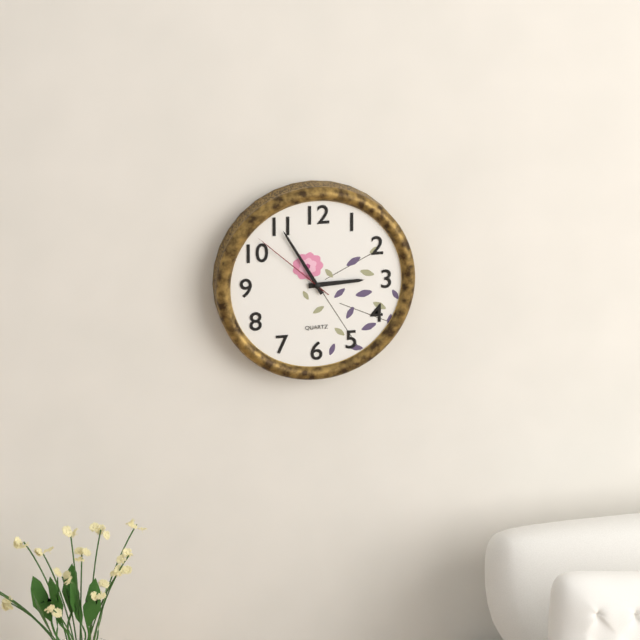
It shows 2.55.52
